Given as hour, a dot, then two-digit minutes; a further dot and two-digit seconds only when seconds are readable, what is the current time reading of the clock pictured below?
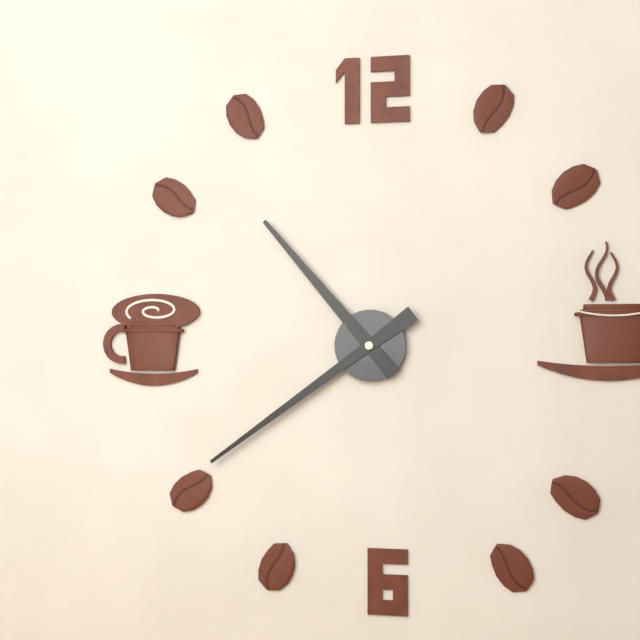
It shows 10.39
